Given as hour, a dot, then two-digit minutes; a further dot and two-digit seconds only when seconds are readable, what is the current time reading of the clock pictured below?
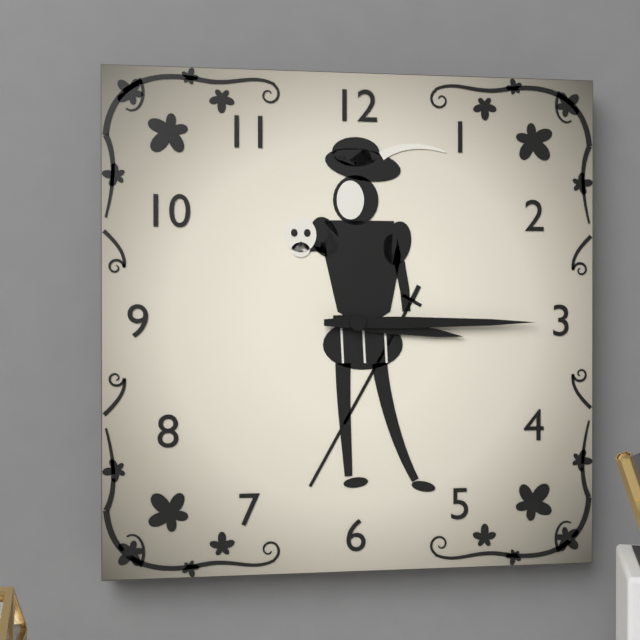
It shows 3.15
